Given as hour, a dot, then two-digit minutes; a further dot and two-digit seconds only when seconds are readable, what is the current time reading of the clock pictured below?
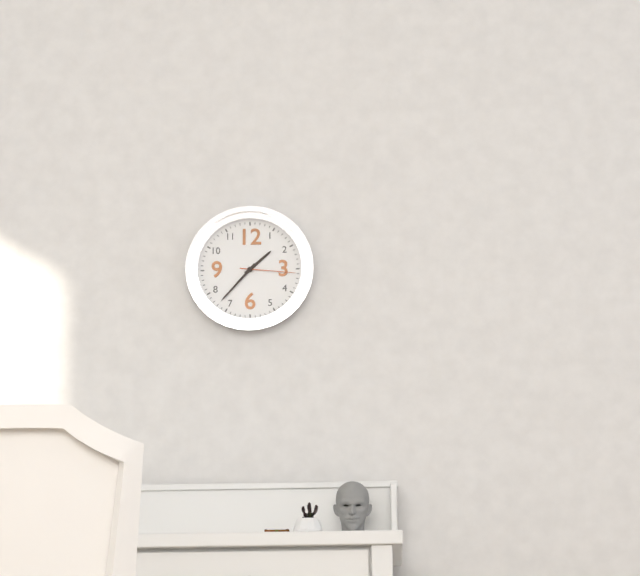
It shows 1.37.16
